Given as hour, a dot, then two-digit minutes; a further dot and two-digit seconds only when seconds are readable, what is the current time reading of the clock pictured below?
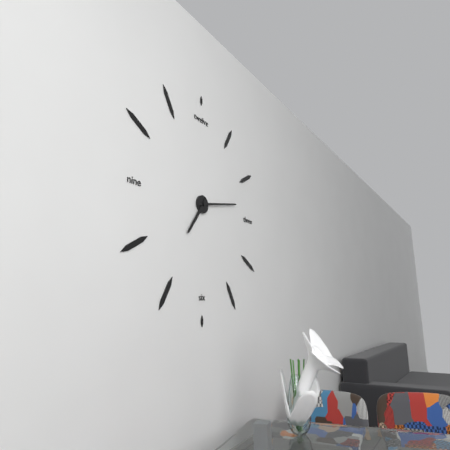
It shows 7.13
